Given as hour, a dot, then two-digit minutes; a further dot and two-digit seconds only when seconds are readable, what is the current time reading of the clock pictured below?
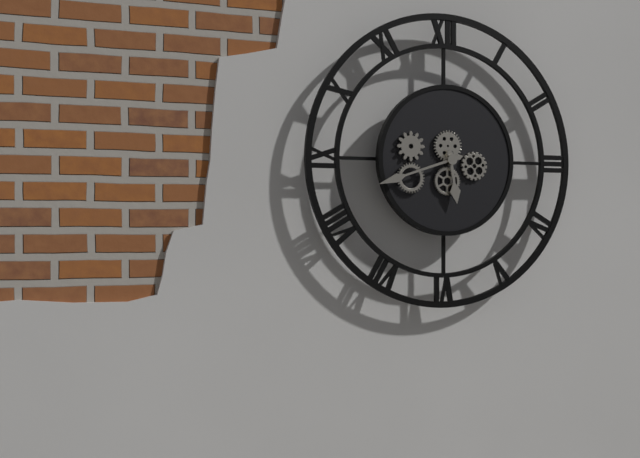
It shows 5.42
